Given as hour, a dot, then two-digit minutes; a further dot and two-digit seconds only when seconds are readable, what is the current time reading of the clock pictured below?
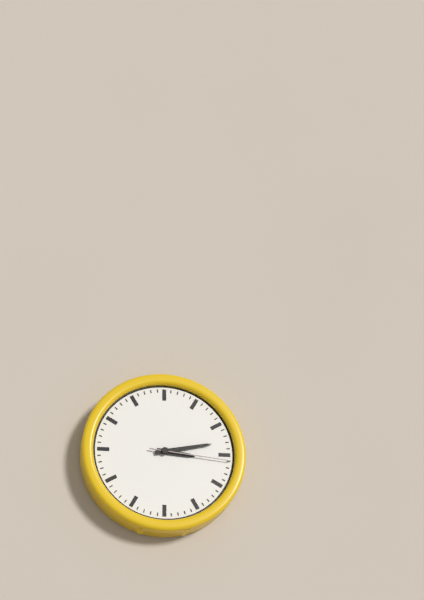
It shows 3.13.16
